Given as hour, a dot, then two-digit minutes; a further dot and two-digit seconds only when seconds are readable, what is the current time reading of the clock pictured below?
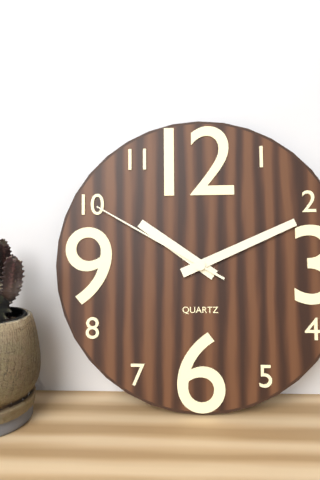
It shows 10.11.50
